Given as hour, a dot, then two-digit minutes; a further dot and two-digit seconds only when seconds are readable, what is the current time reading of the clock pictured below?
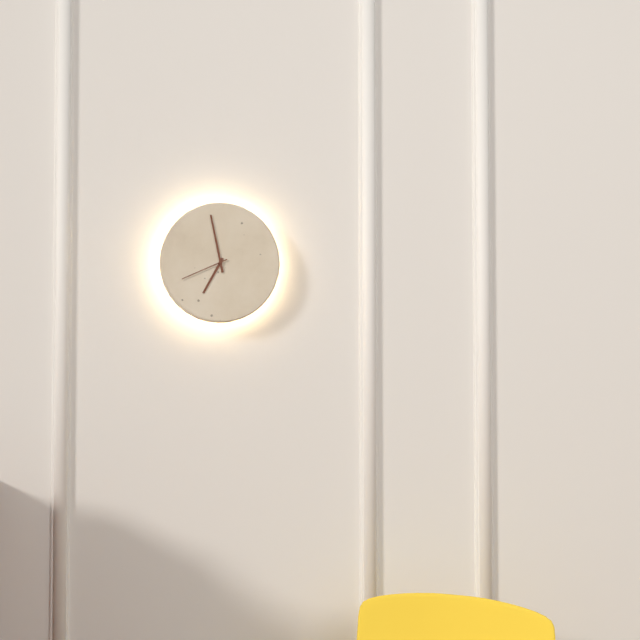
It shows 6.58.41
